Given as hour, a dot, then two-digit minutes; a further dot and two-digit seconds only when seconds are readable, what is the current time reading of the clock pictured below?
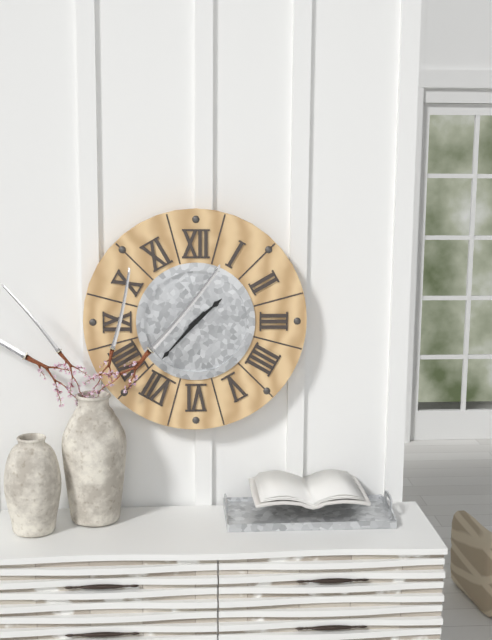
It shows 1.37
